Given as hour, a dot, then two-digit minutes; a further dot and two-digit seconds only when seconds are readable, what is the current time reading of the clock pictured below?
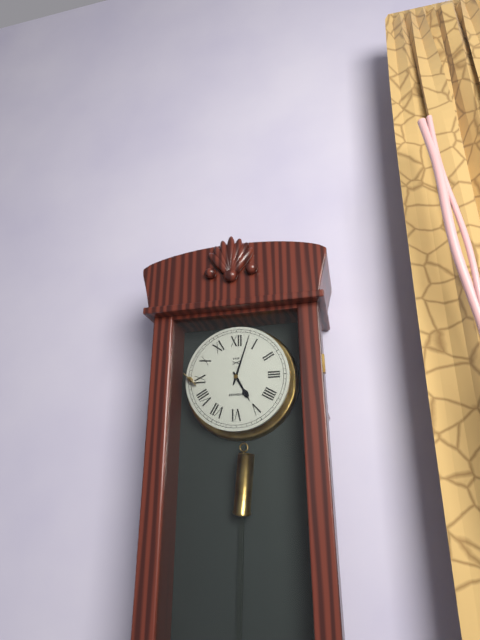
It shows 5.03
